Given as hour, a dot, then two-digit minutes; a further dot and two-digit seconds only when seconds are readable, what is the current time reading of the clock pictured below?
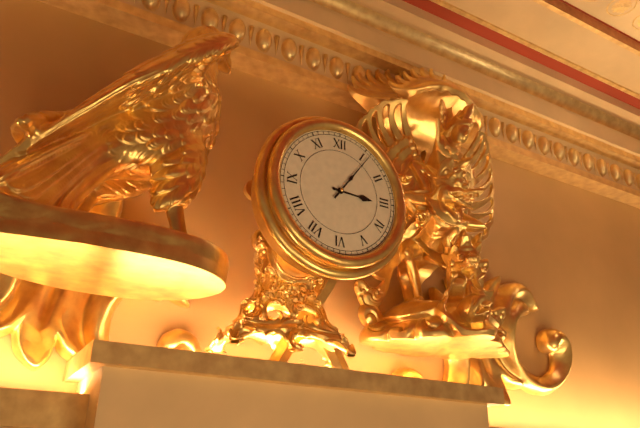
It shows 3.06
